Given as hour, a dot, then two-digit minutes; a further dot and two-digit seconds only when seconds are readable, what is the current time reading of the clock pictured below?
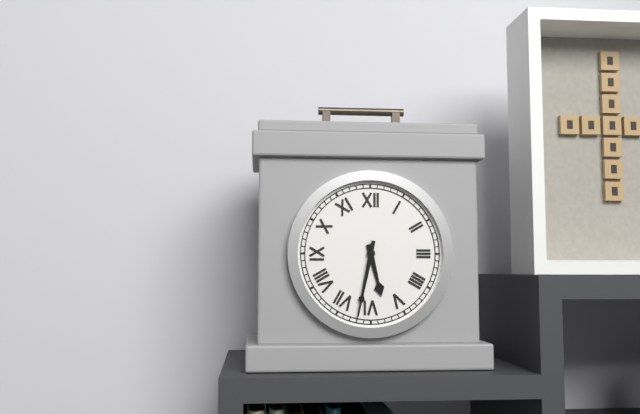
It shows 5.32
